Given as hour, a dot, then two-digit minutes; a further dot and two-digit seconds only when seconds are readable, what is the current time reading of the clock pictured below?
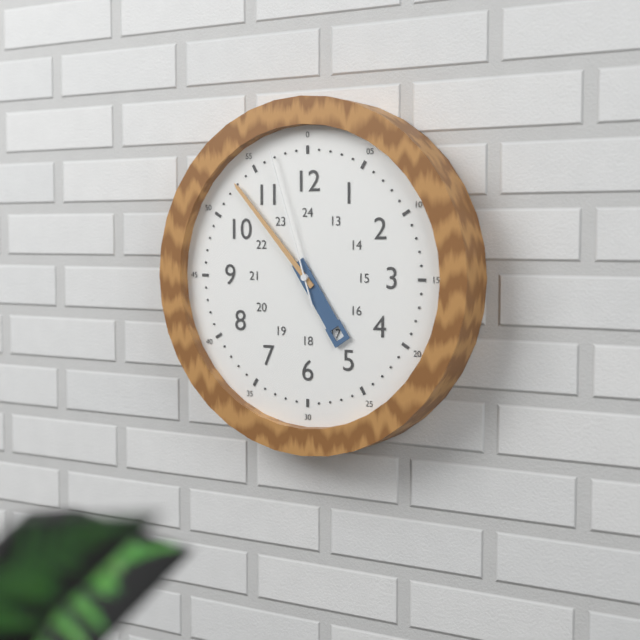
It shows 4.53.57
